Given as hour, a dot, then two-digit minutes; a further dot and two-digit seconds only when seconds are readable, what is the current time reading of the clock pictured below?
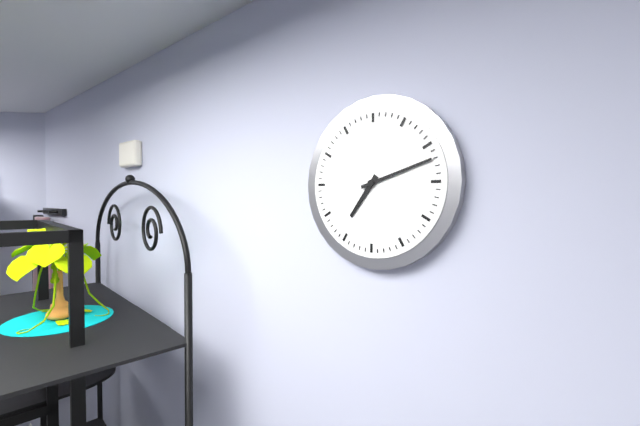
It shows 7.12
